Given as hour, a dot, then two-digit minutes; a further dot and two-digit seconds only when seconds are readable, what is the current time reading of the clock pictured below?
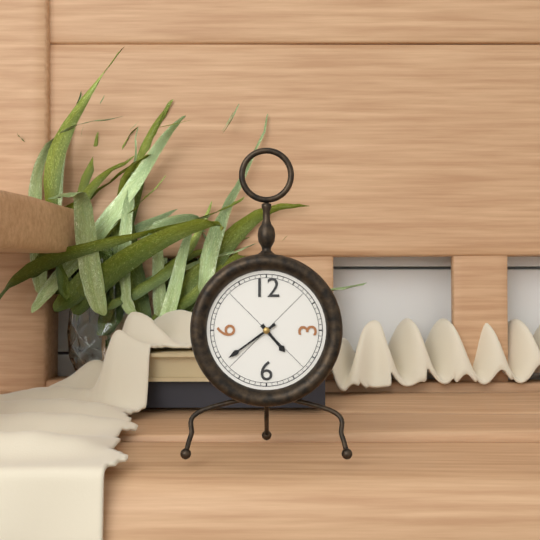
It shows 4.39
